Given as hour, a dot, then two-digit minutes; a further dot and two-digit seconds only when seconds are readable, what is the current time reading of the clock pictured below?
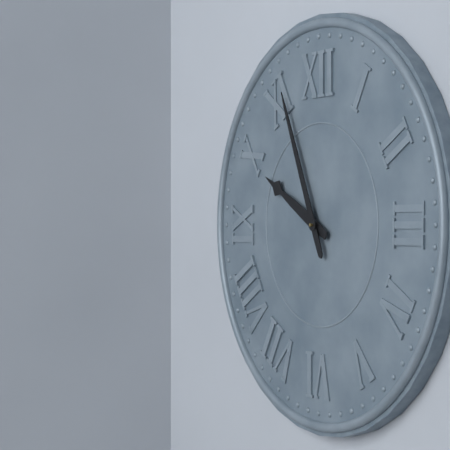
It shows 9.56
